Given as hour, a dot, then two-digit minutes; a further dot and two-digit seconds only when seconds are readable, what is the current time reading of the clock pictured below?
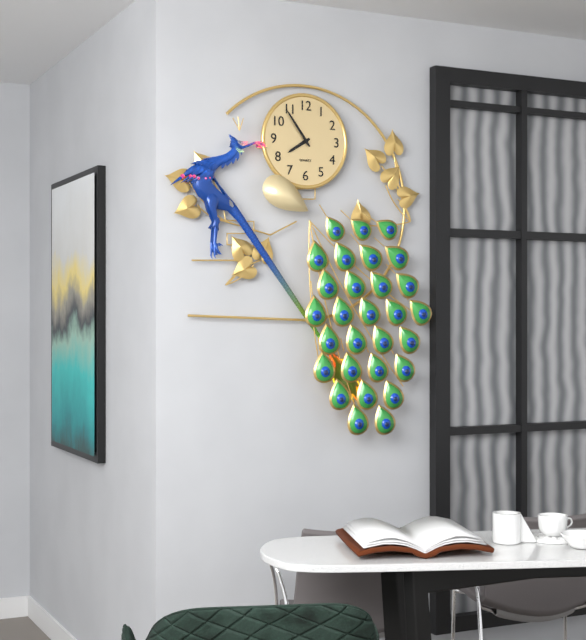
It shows 7.54
